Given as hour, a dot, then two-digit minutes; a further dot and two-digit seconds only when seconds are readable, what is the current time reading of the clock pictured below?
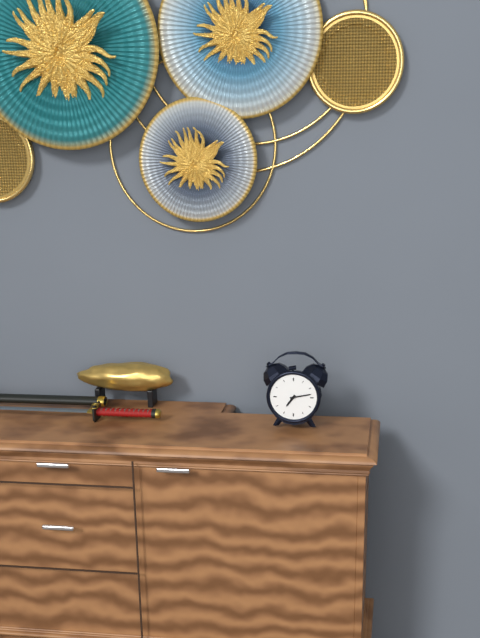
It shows 7.13
